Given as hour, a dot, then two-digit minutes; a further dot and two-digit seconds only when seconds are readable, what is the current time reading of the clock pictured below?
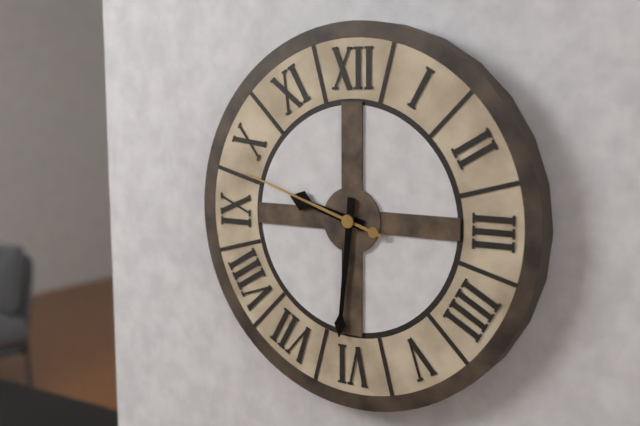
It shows 9.31.48
